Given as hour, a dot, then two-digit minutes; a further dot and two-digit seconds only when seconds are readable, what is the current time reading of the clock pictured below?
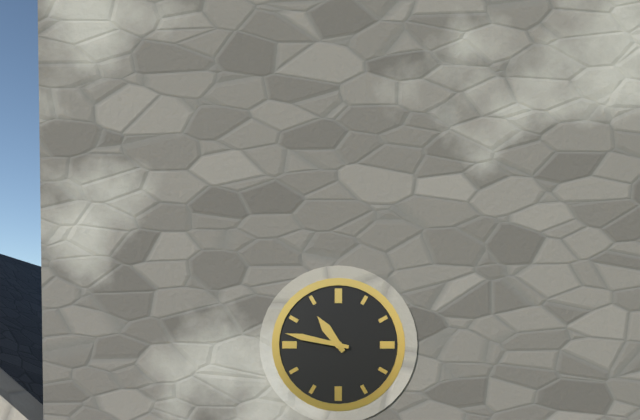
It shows 10.47
